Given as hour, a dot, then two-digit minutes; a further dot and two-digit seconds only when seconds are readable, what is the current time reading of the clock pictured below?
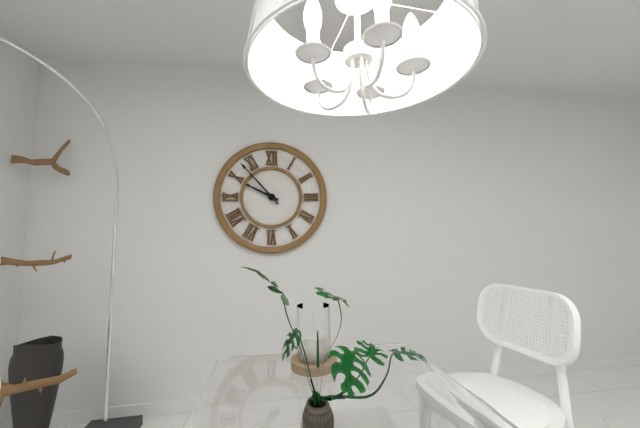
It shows 9.53
